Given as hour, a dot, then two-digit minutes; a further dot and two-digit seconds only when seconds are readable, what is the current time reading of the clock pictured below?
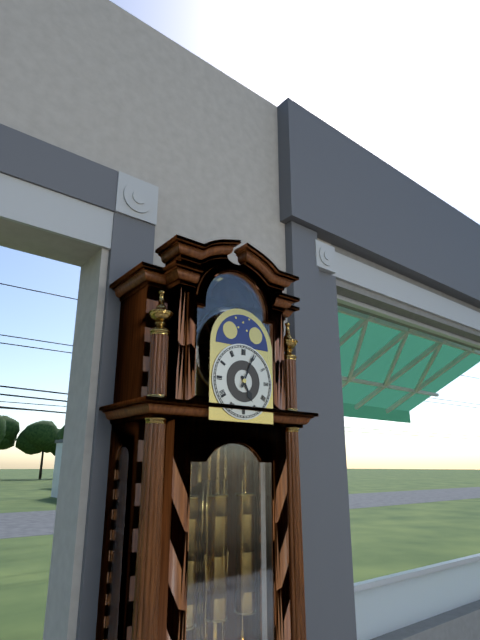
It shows 5.04
